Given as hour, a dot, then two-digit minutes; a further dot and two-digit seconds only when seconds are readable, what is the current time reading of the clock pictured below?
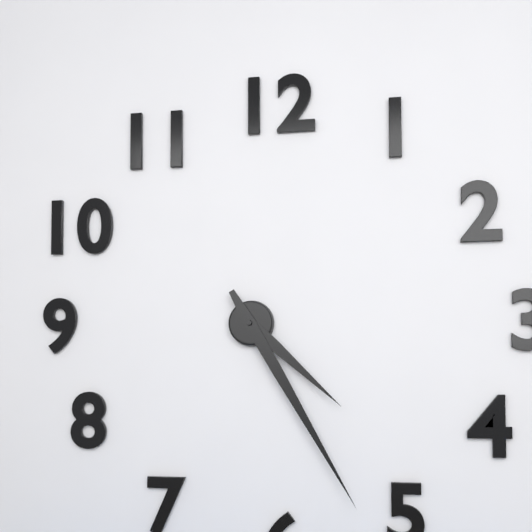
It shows 4.25
